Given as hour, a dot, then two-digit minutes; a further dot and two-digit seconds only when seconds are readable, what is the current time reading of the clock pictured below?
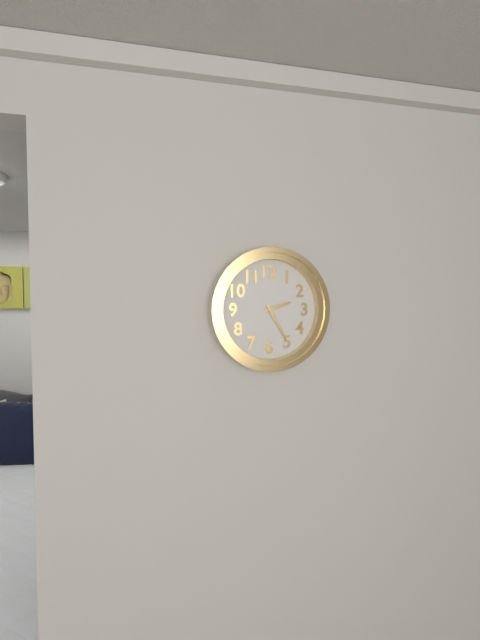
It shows 2.25
